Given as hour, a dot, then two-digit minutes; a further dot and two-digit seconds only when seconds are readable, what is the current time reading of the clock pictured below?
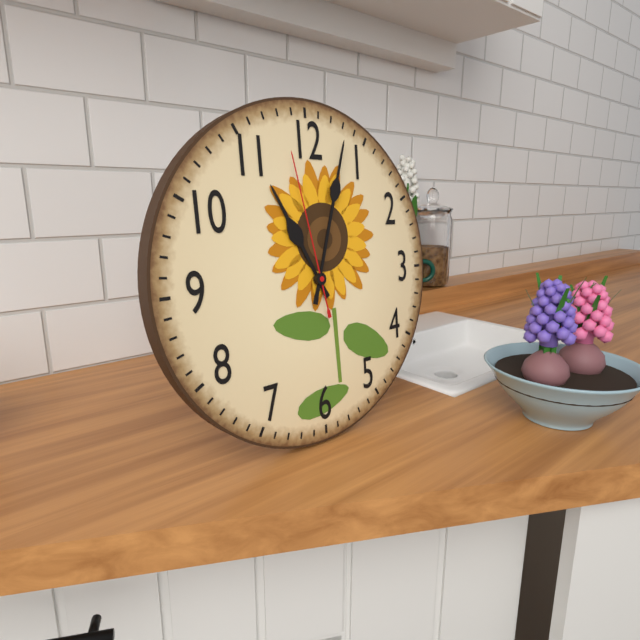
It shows 11.03.58
